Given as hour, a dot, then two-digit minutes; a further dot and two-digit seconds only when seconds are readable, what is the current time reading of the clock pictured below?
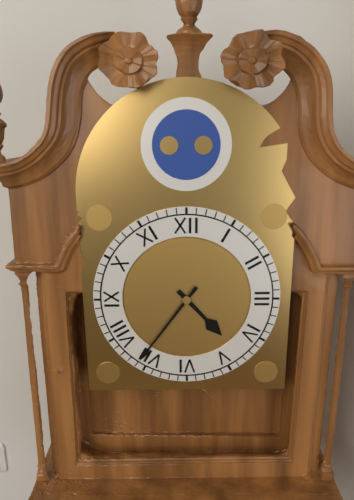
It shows 4.36
